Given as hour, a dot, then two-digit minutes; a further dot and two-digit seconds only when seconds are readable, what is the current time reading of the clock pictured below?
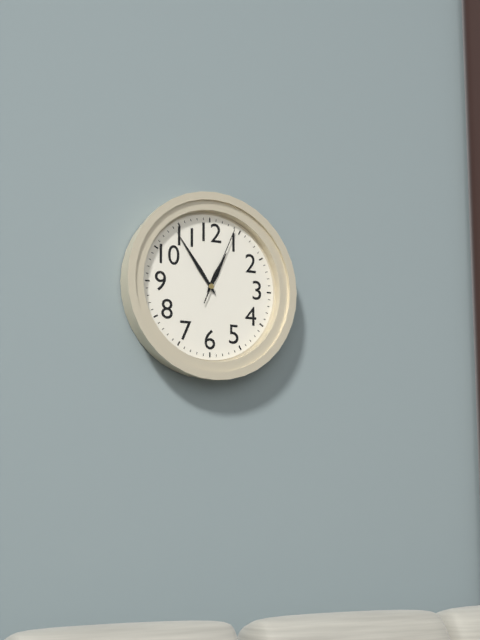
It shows 12.54.04
